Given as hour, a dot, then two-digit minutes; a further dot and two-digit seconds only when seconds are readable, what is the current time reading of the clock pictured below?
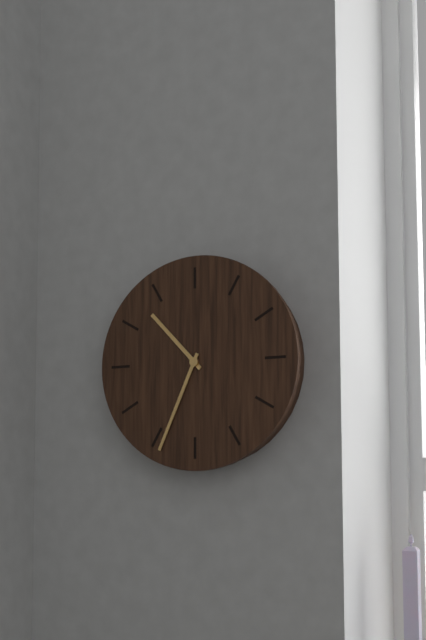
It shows 10.34
